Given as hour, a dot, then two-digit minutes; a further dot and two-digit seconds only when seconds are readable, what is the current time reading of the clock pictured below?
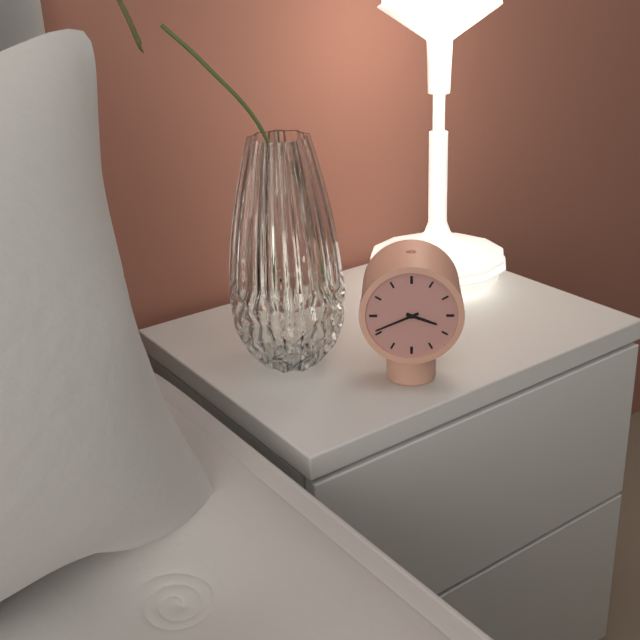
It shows 3.41
